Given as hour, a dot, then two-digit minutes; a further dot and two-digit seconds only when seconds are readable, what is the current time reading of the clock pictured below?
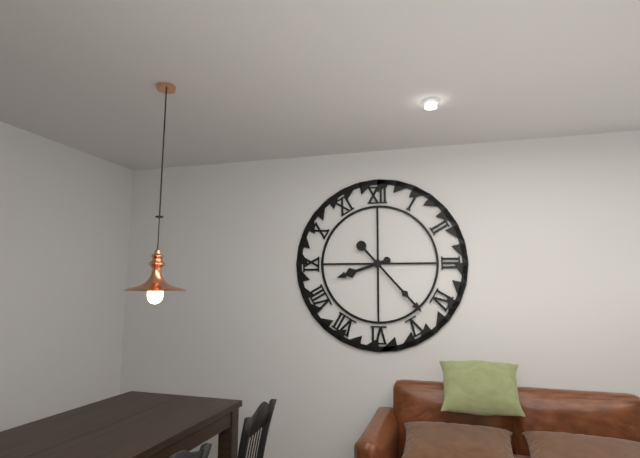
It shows 8.23
